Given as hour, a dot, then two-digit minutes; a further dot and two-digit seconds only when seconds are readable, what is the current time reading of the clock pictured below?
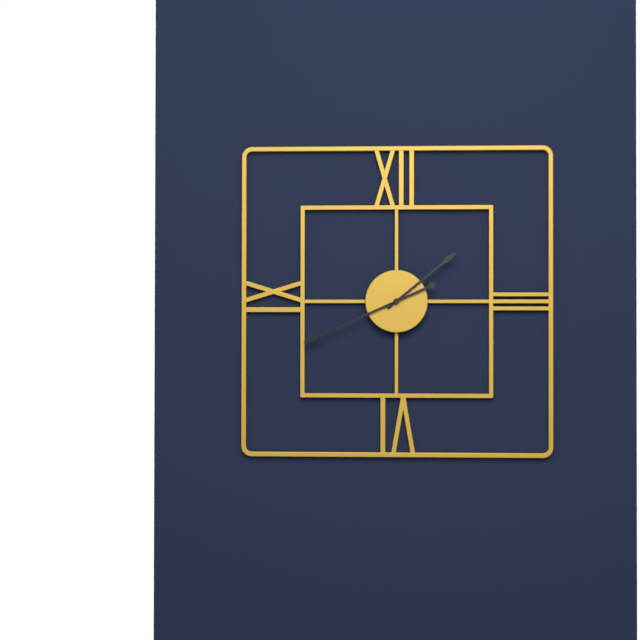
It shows 1.41
